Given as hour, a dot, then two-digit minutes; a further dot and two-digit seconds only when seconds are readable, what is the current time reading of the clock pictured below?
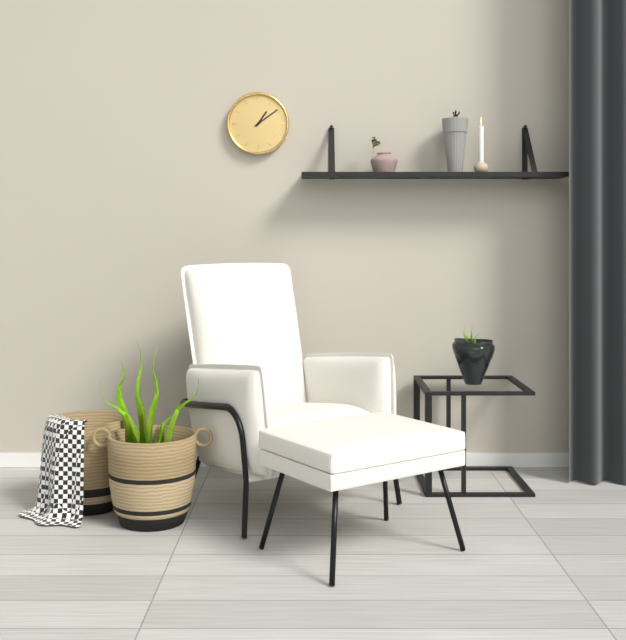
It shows 1.09
